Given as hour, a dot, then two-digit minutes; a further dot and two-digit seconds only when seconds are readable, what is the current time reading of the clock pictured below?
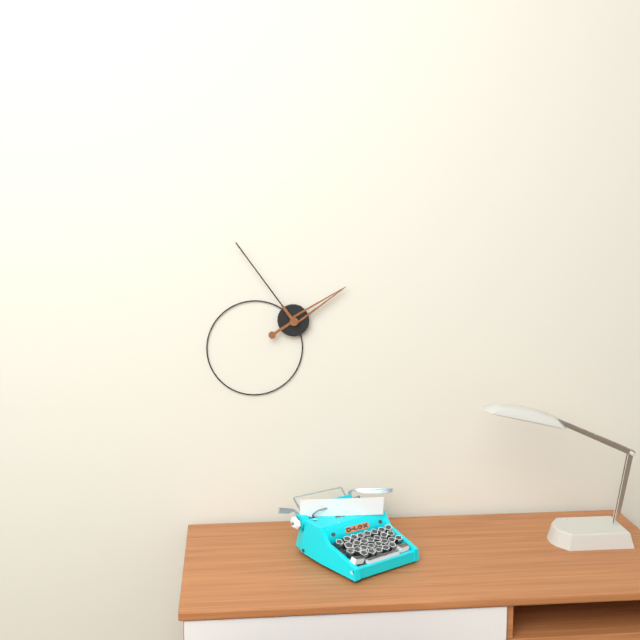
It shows 1.54
